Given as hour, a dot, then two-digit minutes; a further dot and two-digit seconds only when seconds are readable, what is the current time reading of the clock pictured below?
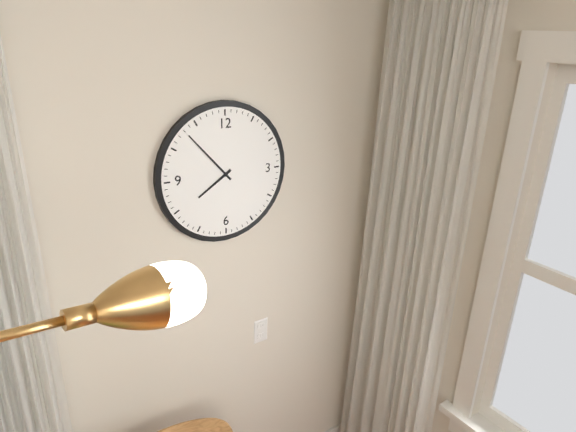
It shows 7.53
